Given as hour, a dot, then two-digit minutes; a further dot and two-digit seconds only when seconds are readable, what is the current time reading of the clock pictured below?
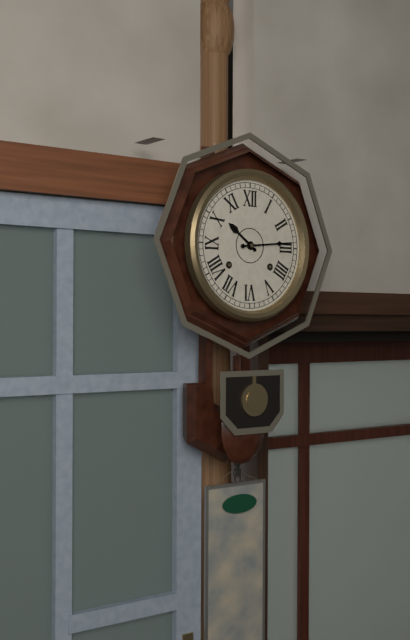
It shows 10.14
